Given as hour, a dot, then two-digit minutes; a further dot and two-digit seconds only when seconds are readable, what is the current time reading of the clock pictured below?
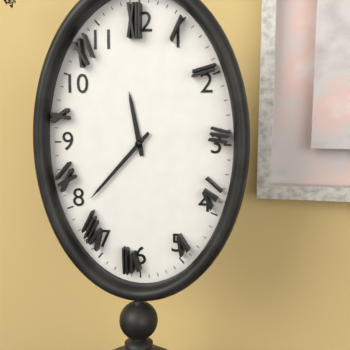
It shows 11.37
